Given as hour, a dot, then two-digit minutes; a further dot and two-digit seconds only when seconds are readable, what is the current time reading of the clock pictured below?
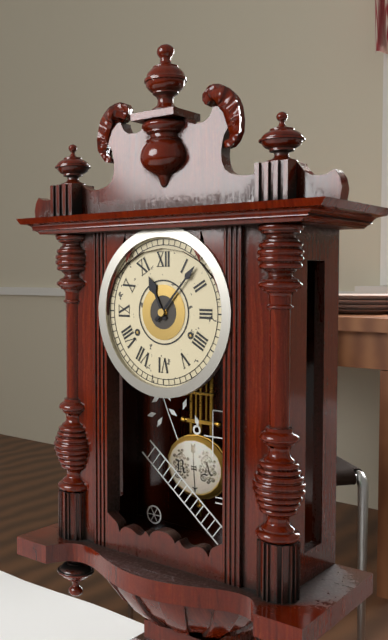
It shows 11.07
